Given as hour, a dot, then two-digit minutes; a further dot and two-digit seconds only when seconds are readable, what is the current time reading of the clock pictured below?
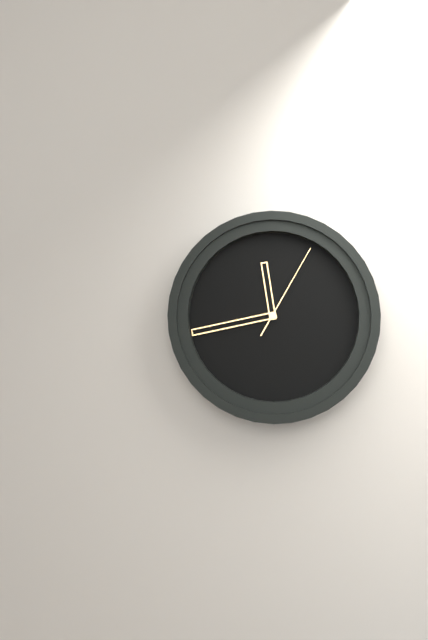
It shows 11.43.05
